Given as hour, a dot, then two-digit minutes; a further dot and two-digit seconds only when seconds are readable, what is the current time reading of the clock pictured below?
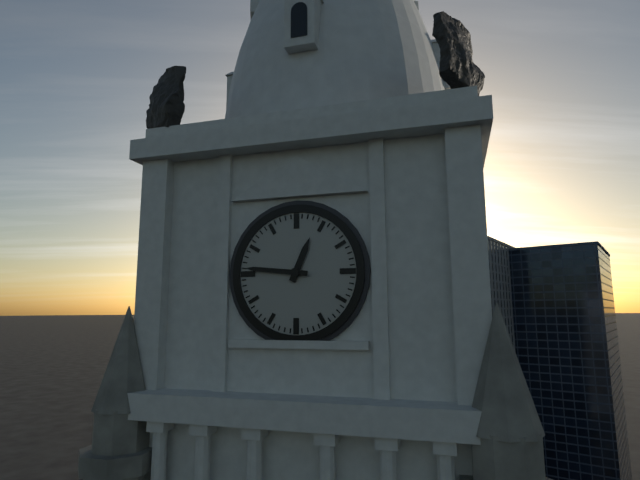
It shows 12.46
